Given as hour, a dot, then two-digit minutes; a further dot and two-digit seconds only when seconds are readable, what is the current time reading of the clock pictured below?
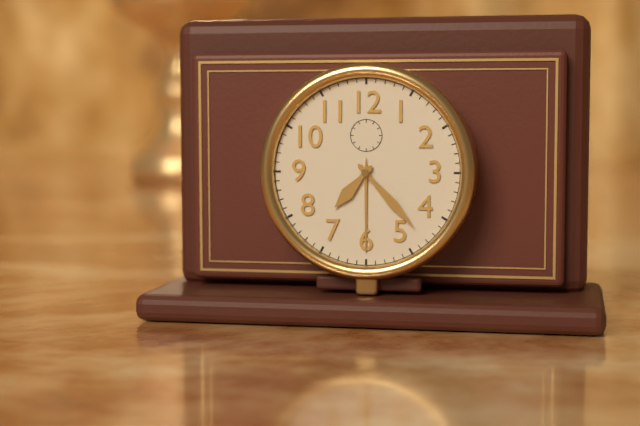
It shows 7.23
